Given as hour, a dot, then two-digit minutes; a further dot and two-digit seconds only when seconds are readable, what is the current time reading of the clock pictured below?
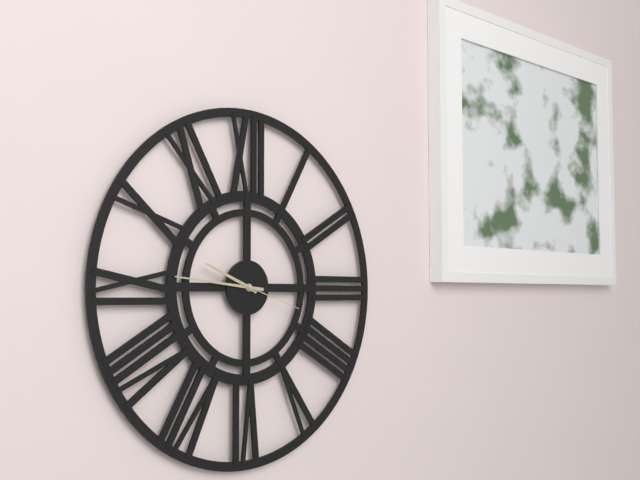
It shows 9.46.18
